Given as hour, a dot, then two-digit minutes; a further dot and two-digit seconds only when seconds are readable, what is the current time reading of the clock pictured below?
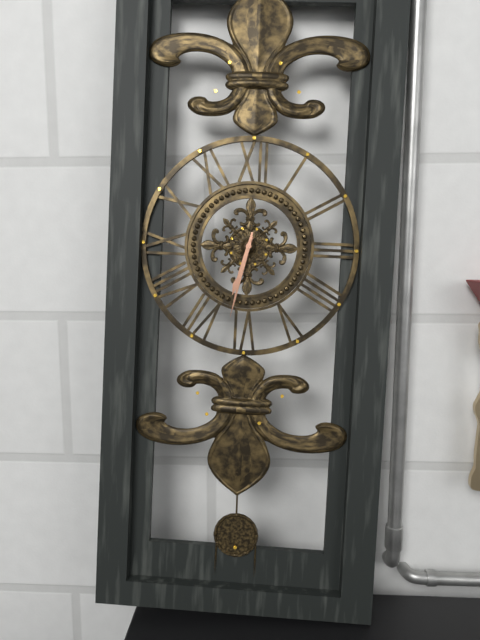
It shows 6.32
